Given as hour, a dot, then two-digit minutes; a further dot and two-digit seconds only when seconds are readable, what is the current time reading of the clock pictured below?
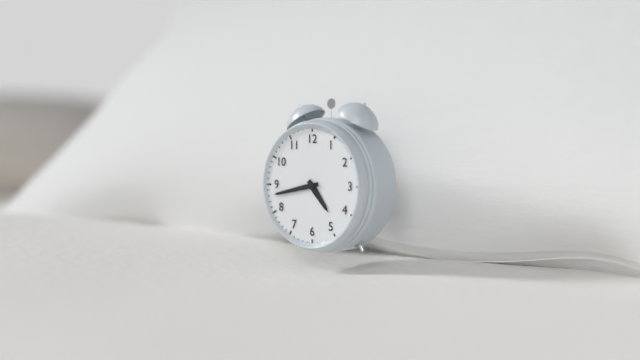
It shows 4.43
